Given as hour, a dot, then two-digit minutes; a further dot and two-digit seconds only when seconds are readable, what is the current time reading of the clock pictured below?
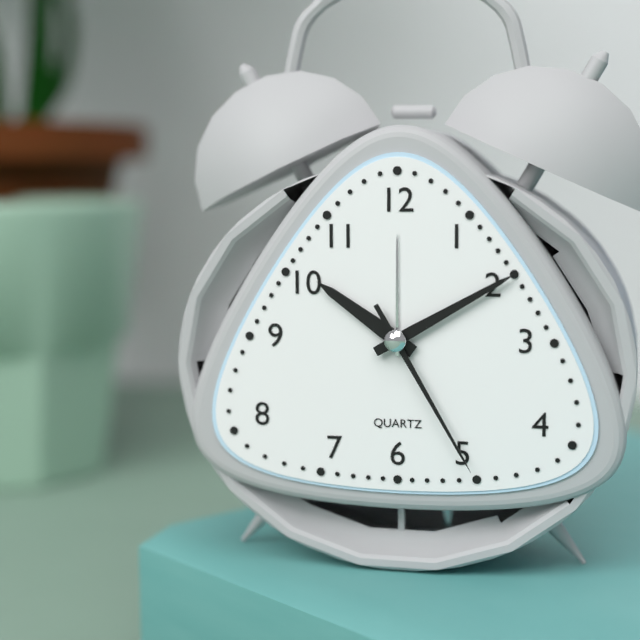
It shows 10.10.25
